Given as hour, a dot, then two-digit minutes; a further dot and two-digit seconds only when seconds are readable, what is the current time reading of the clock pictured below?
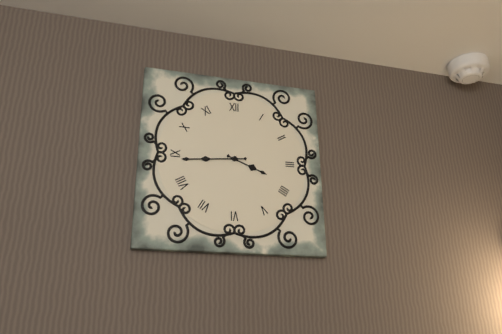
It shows 3.44
